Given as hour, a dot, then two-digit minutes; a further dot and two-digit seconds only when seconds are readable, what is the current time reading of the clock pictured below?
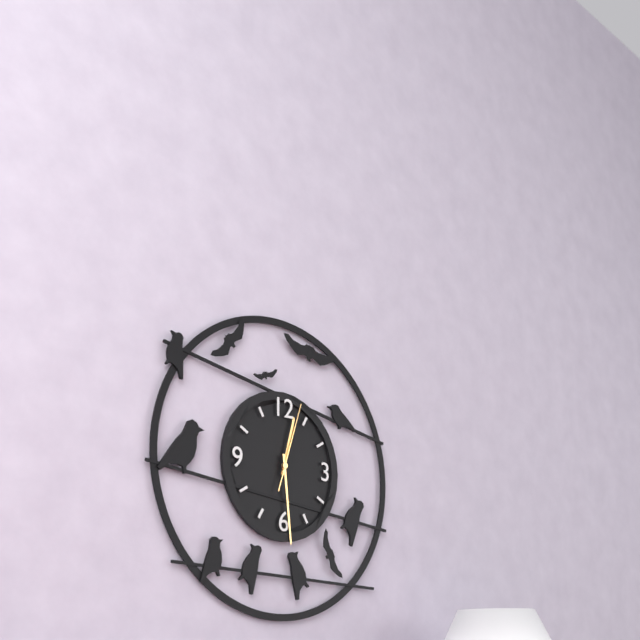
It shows 12.29.03
